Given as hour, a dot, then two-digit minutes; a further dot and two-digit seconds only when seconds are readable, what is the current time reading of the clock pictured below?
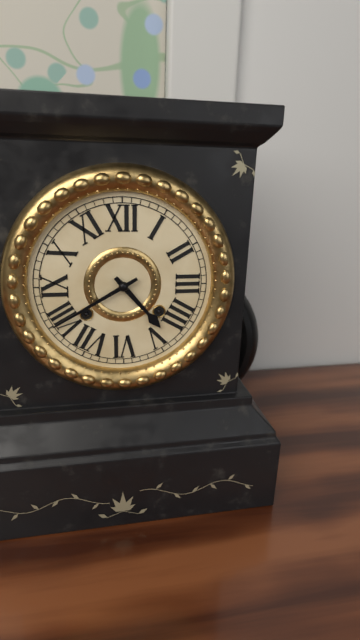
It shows 4.40
